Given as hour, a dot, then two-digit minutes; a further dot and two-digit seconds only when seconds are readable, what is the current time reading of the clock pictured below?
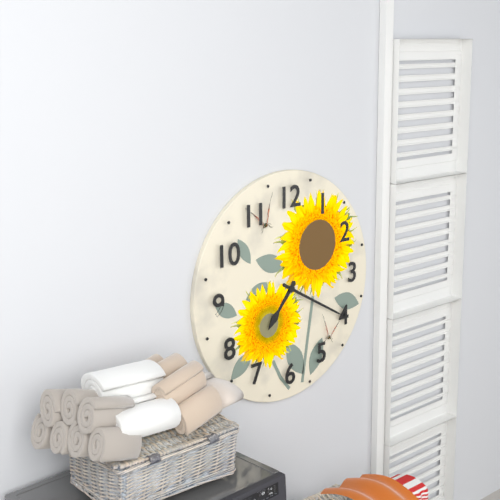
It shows 7.20
